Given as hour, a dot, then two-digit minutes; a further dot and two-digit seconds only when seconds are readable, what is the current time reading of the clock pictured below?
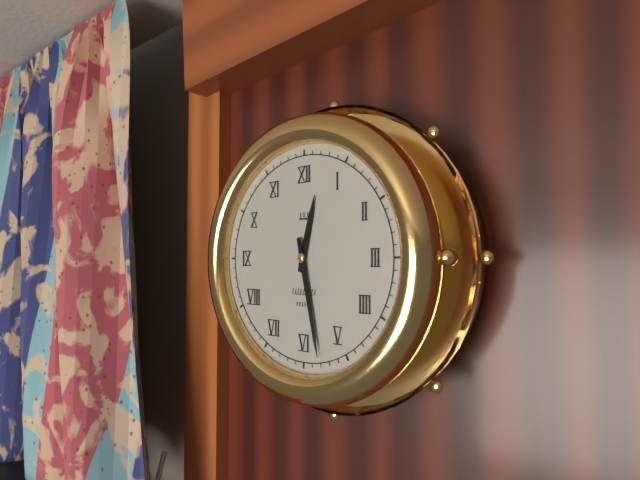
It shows 12.28
